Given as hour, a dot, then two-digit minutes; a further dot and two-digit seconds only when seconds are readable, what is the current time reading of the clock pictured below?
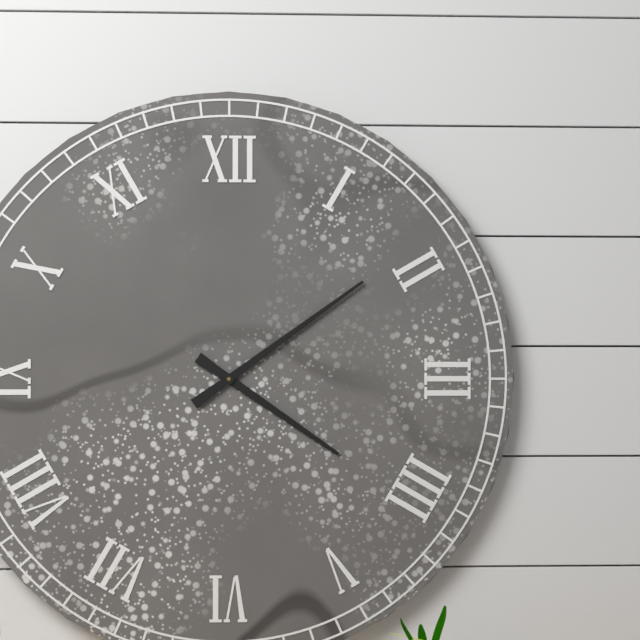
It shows 4.09
